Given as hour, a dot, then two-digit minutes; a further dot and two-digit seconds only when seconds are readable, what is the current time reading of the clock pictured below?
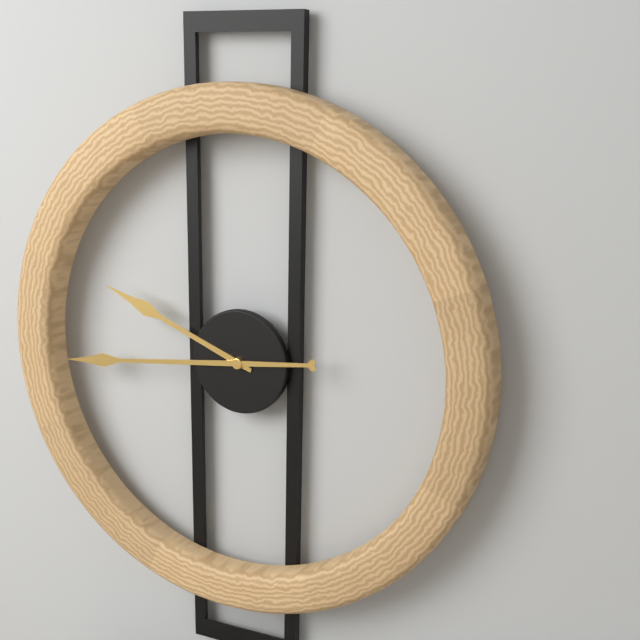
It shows 9.44
